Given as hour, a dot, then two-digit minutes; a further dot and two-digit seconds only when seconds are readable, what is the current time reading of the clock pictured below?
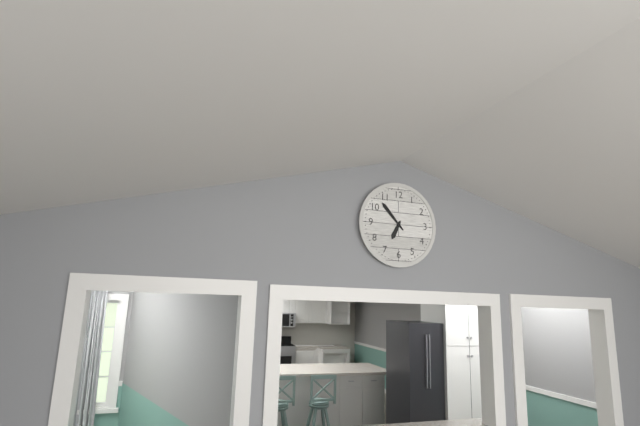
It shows 6.53
